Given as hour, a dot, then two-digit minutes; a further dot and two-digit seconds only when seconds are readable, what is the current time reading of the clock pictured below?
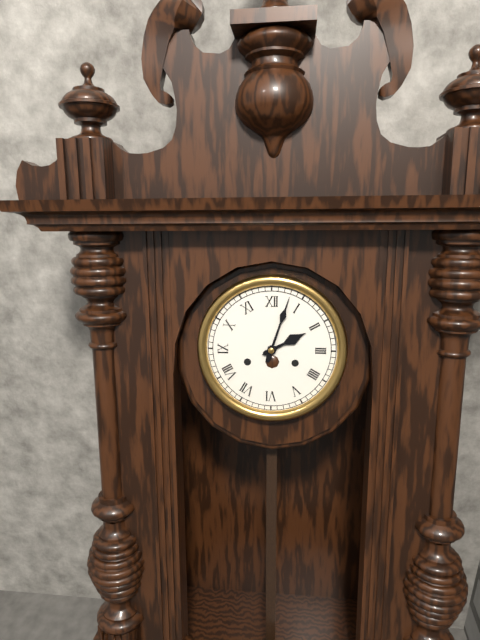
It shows 2.03
